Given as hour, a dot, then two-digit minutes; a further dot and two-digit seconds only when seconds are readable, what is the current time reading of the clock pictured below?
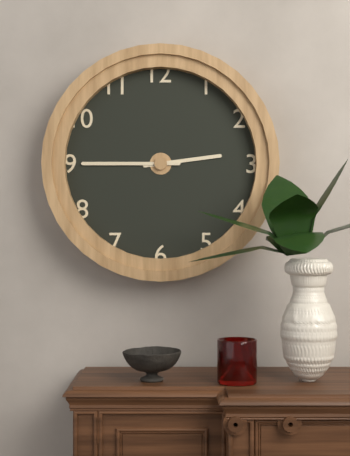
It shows 2.45
